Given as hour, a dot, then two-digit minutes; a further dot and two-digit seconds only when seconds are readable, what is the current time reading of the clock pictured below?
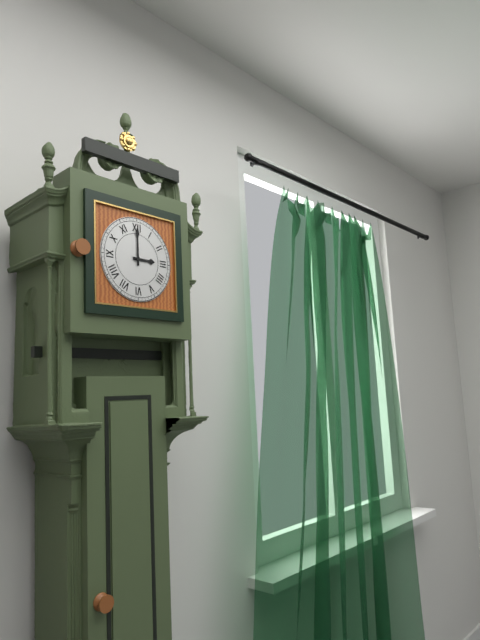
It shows 3.00
